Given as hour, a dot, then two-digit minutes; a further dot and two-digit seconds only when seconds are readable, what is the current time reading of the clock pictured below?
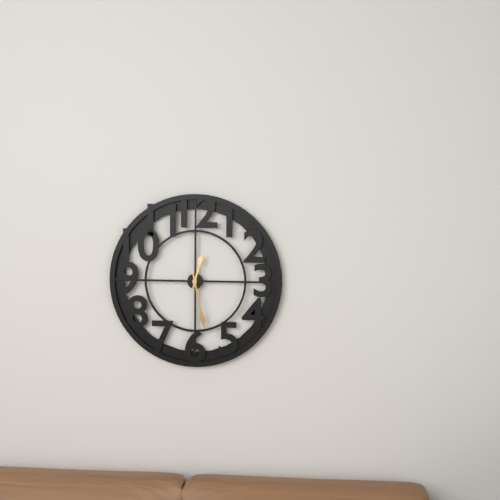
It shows 12.28
